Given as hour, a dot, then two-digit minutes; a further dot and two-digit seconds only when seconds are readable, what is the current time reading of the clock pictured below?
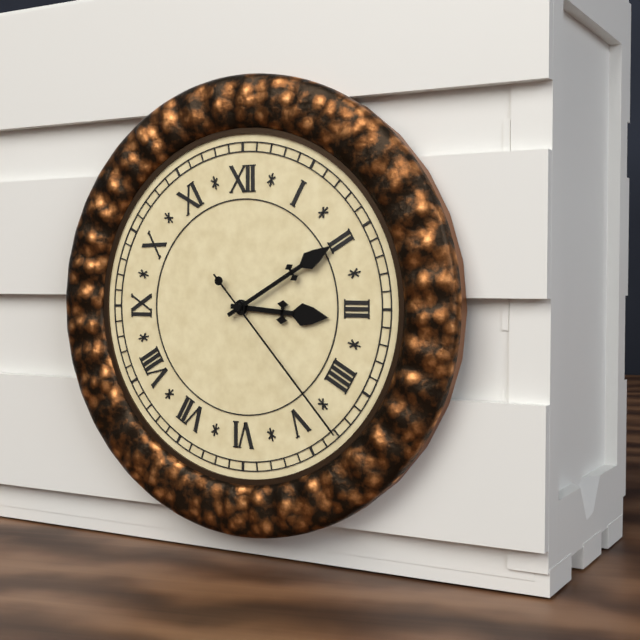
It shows 3.10.23
